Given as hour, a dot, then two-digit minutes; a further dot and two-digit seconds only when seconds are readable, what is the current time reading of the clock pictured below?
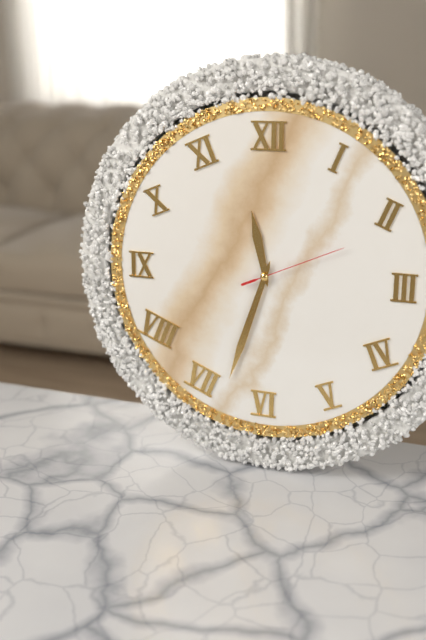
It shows 11.33.11
